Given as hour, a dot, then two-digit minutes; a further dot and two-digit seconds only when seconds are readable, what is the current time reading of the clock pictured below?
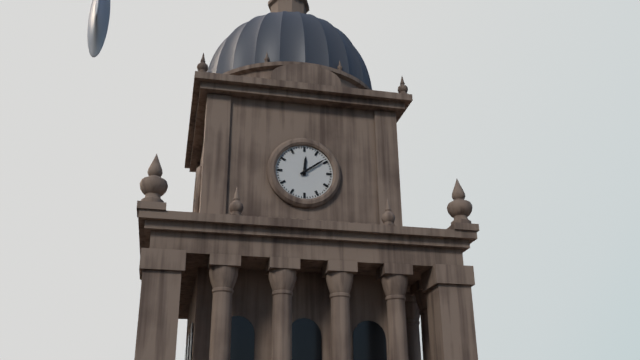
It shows 12.09
